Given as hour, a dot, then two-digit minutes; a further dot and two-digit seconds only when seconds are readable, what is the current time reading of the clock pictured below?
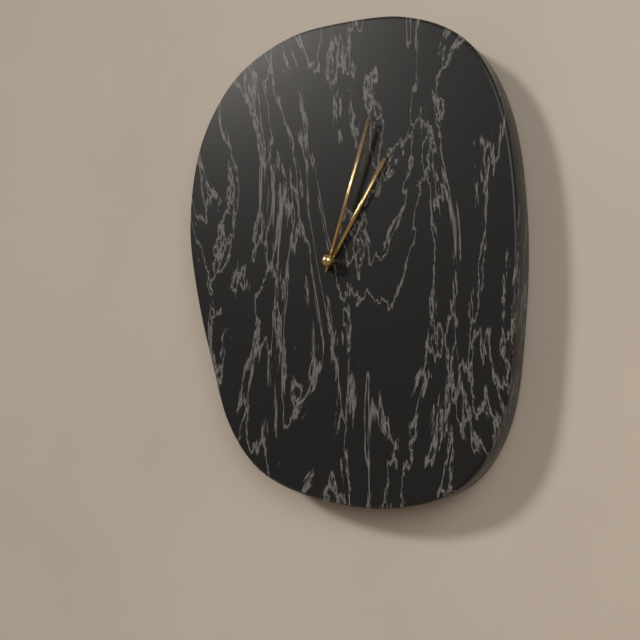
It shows 1.03
